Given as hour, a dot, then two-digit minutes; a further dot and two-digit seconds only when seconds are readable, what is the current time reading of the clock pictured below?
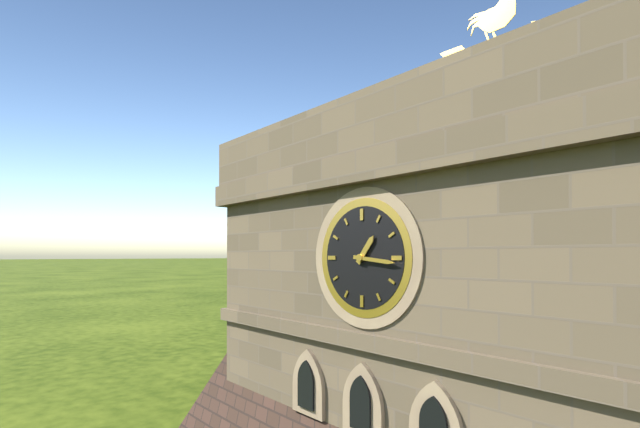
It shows 1.16
